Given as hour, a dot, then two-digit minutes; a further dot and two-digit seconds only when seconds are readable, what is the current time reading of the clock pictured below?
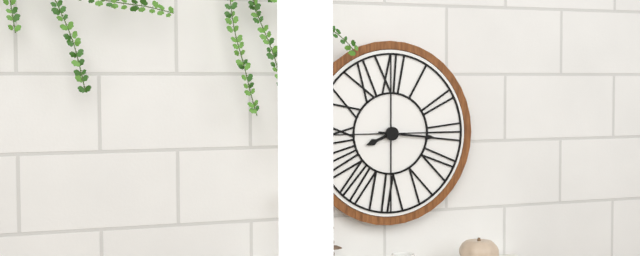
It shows 8.16
